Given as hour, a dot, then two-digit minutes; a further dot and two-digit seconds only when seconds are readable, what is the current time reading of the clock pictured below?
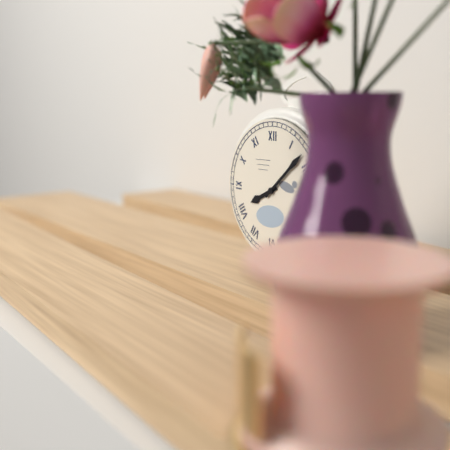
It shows 8.08
